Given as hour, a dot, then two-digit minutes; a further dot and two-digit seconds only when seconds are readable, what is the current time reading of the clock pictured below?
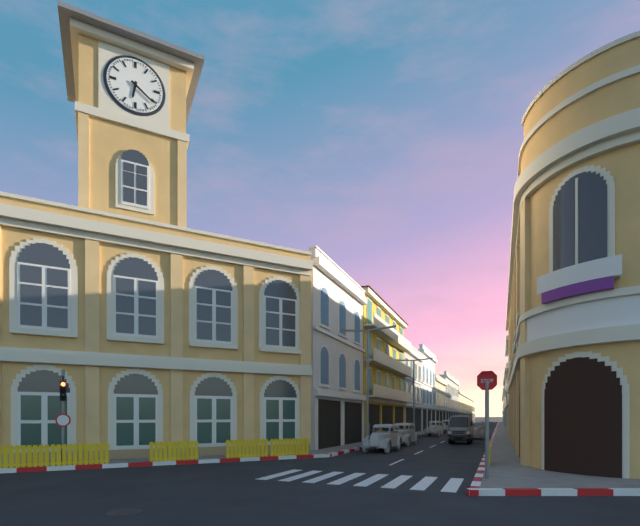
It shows 6.21
